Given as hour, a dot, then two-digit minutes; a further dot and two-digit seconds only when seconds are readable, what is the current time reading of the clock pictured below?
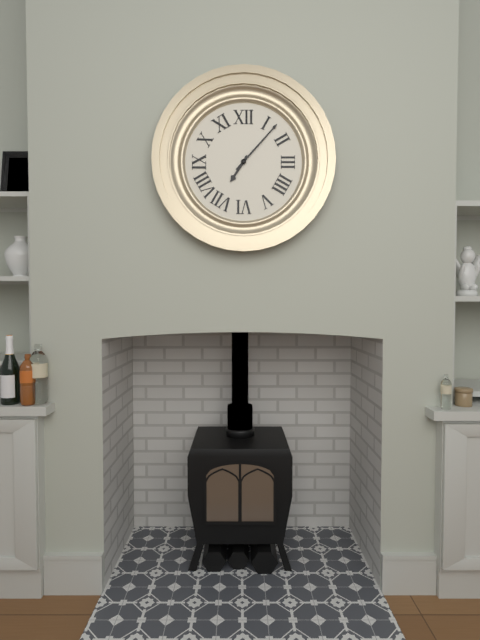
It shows 7.07
